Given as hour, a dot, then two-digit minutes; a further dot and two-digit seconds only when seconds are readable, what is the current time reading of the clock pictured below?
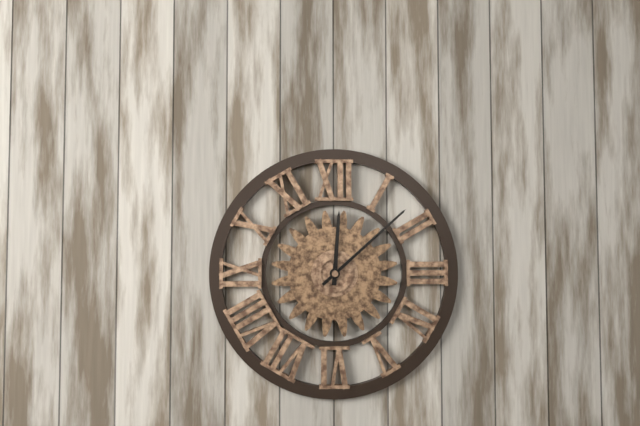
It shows 12.08
